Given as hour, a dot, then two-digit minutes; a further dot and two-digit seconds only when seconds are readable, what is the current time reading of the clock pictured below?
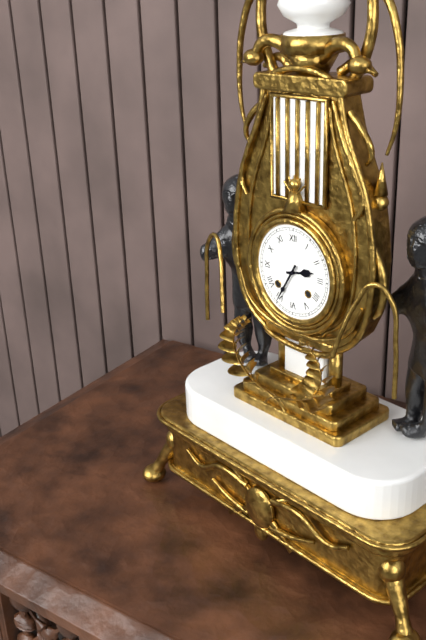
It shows 2.35
